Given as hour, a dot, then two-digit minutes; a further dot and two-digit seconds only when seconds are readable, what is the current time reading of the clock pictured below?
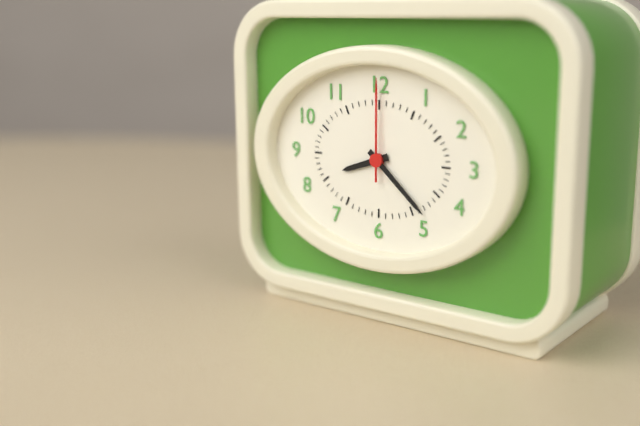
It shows 8.22.00
